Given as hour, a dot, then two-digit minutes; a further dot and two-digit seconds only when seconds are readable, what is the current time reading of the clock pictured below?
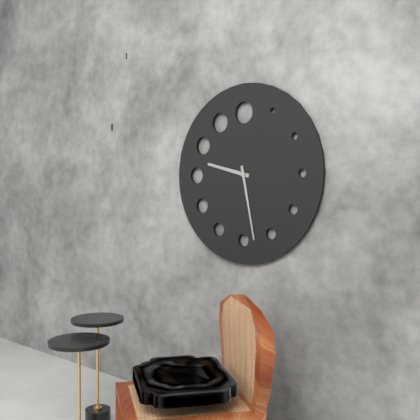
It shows 9.28
